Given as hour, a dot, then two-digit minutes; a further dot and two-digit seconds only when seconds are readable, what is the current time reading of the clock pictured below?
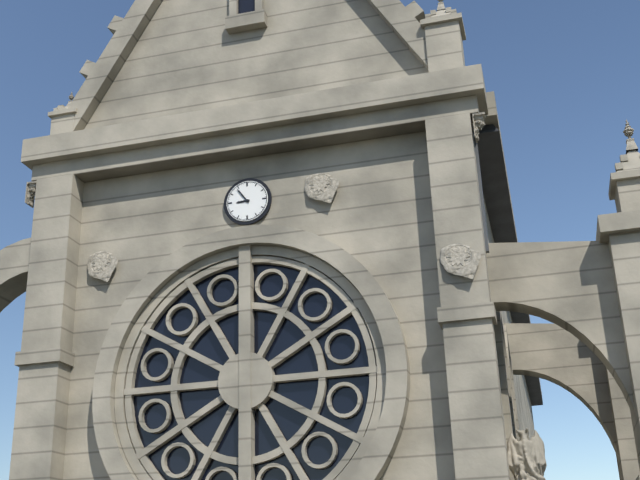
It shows 8.54
